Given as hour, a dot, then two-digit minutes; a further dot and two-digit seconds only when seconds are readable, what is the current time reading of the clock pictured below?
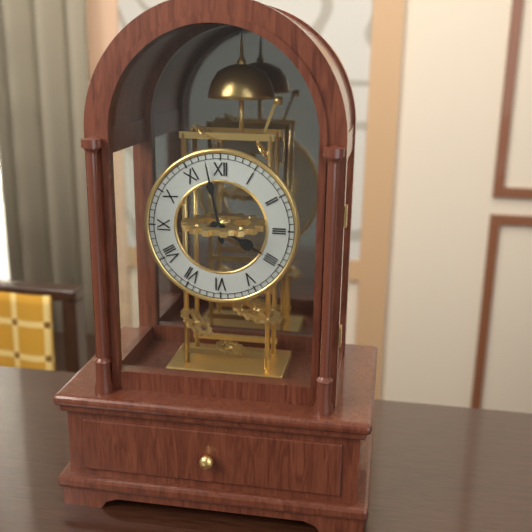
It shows 3.58
